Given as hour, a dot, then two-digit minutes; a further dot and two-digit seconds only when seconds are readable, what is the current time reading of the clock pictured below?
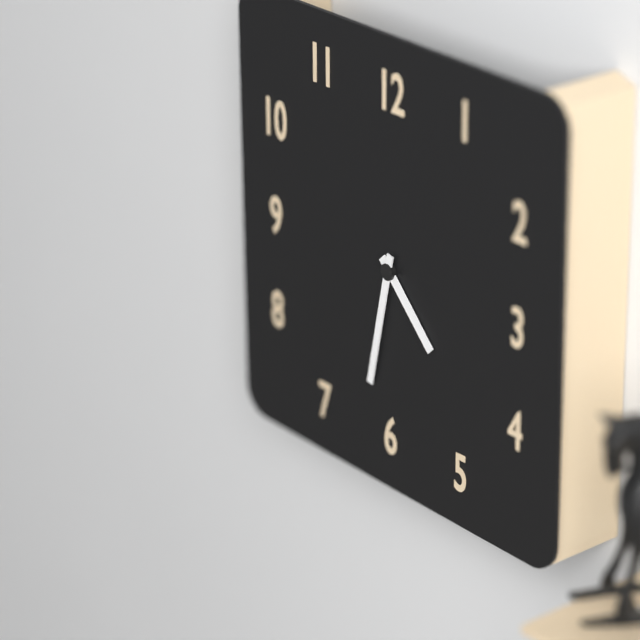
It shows 4.32
